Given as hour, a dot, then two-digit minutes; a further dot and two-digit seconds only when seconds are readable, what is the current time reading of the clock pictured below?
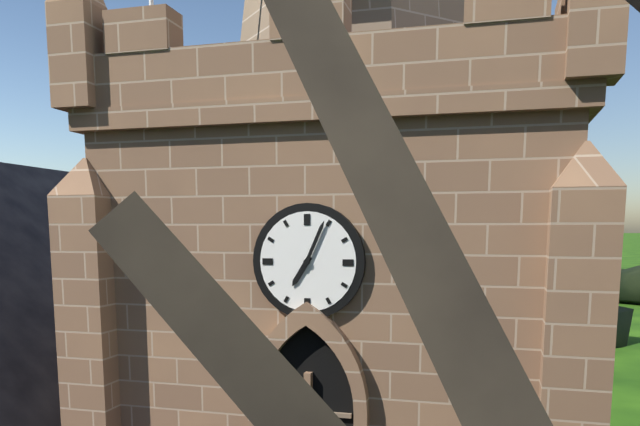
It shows 7.04
